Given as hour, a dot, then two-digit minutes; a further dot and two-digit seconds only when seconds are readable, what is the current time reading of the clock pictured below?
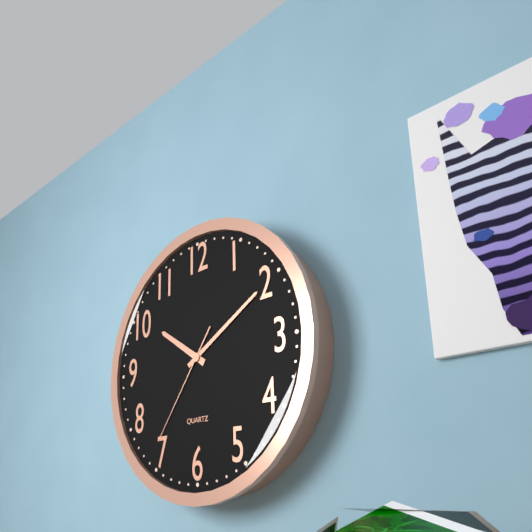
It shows 10.10.36
